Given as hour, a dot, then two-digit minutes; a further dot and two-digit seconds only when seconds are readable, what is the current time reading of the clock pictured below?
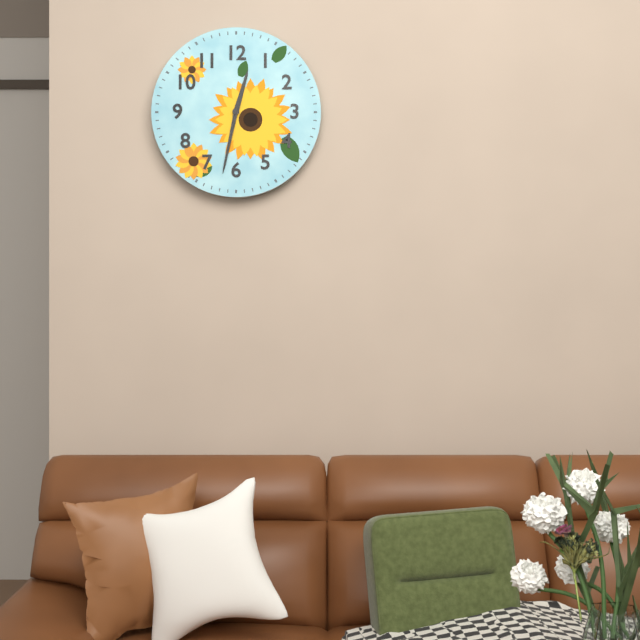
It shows 12.32
